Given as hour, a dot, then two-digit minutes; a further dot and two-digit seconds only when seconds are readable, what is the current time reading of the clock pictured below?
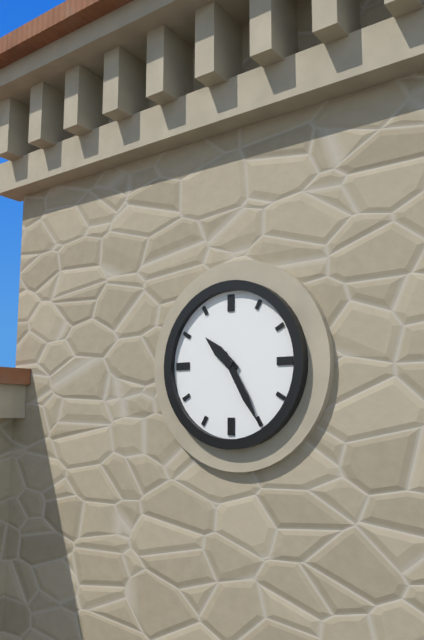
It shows 10.25
